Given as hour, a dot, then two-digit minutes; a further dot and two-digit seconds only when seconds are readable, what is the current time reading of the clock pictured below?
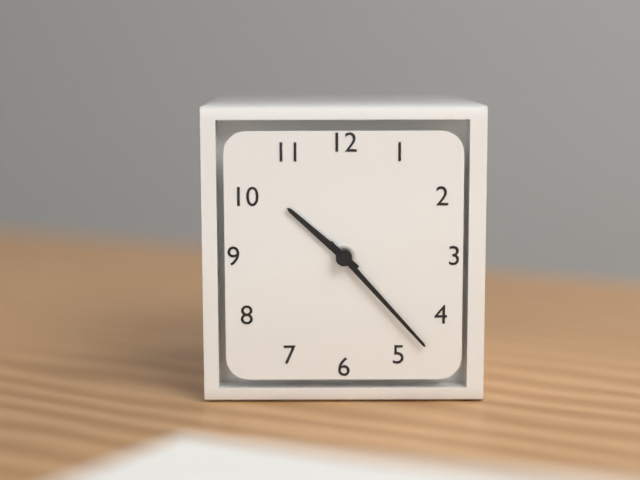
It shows 10.23
